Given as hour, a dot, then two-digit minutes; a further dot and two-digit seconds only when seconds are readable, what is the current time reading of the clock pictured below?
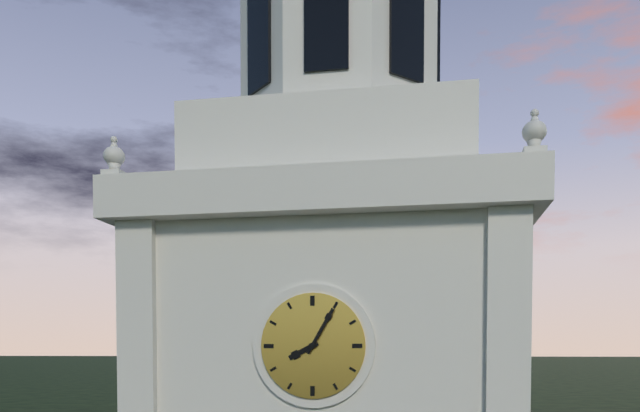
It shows 8.05
